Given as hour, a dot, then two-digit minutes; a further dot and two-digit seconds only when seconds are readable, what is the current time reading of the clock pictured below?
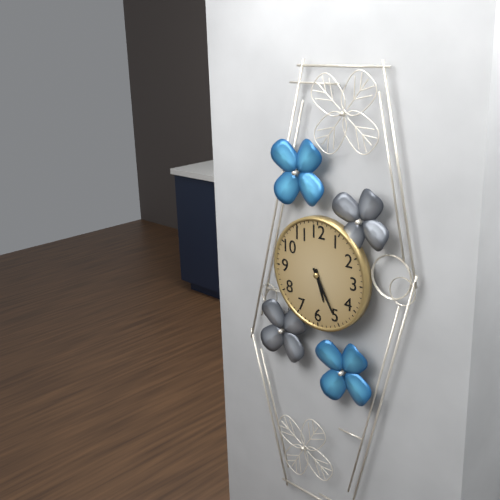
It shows 5.25
